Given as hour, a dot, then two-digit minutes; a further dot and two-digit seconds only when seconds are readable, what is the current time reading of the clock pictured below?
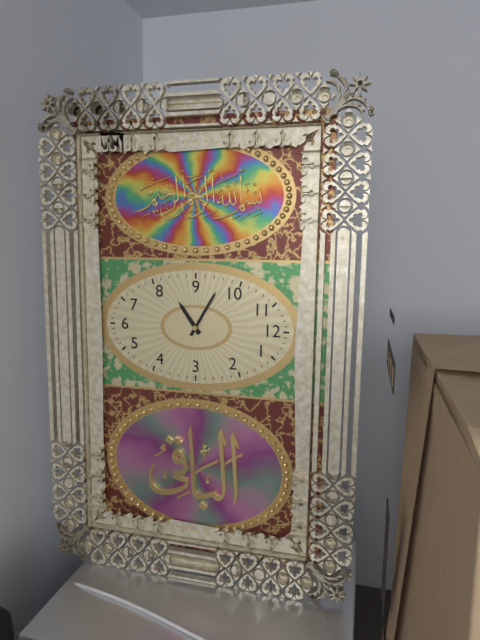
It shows 7.50
